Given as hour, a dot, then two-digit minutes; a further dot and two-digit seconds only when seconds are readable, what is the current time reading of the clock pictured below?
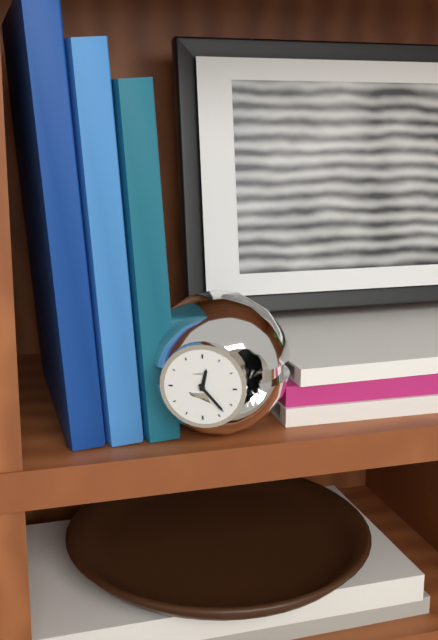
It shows 12.23
